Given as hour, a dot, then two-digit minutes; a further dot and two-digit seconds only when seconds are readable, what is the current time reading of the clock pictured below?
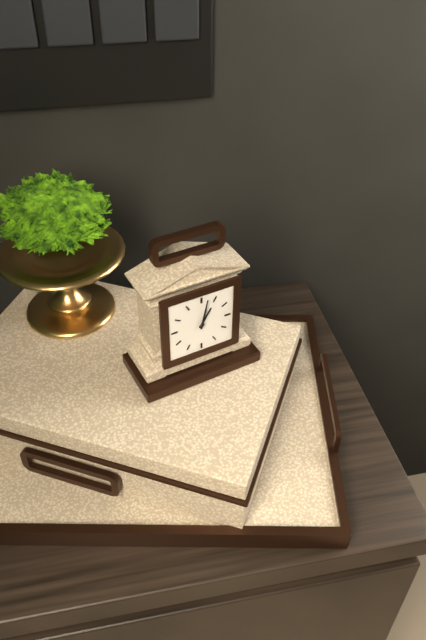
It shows 1.02
